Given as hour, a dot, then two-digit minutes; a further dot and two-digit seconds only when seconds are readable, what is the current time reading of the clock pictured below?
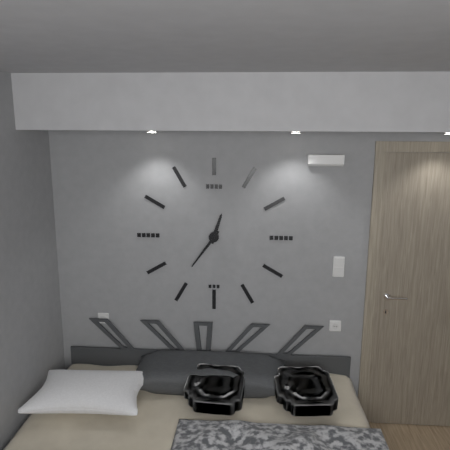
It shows 12.36
